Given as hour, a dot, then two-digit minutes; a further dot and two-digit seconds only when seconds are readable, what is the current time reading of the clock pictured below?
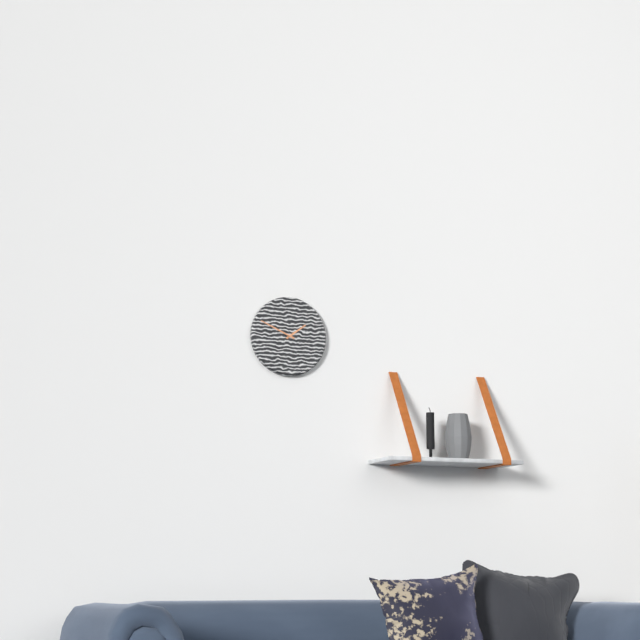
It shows 1.49
